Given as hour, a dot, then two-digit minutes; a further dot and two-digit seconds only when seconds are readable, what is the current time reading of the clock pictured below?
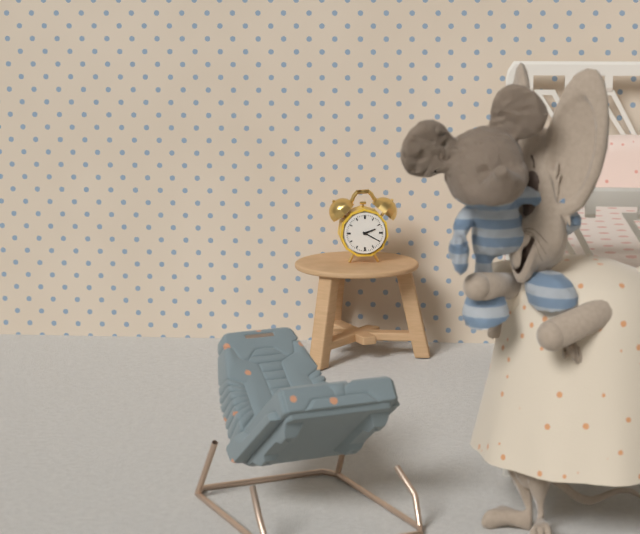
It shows 2.20
